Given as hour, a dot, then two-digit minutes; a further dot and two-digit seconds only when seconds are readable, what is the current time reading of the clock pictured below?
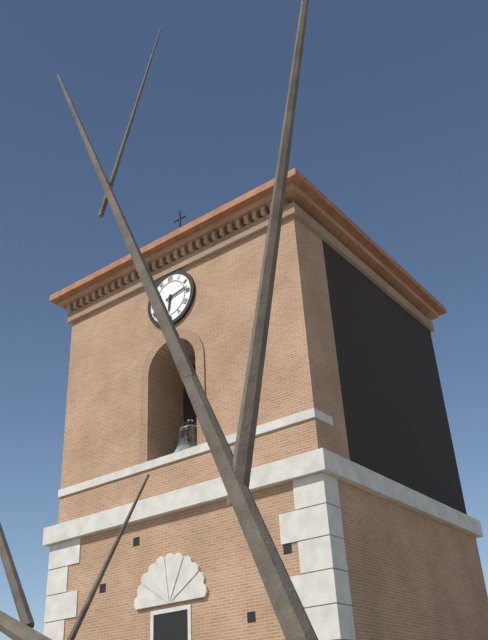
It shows 6.13
